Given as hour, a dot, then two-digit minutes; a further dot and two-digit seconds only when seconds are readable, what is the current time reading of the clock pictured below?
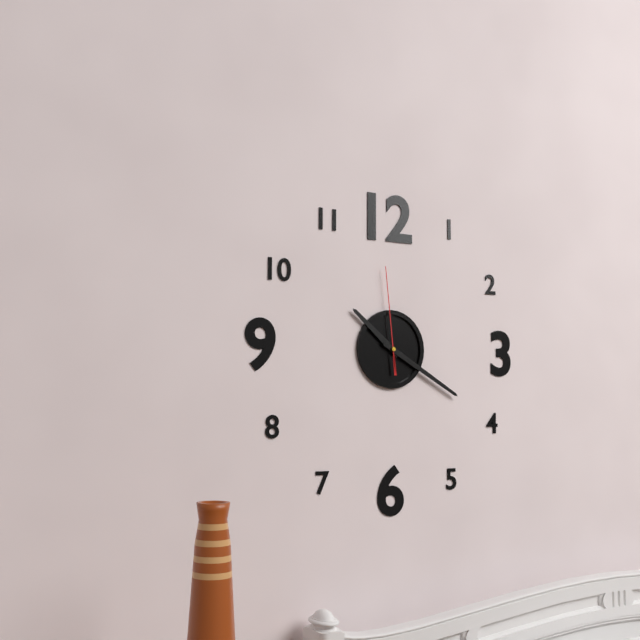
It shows 10.20.59
